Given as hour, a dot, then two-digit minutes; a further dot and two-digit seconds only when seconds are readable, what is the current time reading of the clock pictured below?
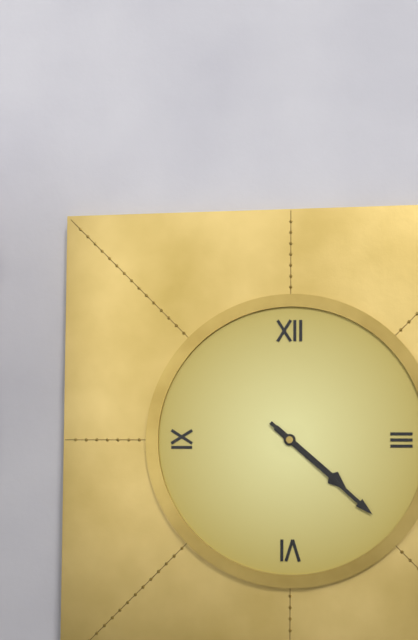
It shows 4.22
